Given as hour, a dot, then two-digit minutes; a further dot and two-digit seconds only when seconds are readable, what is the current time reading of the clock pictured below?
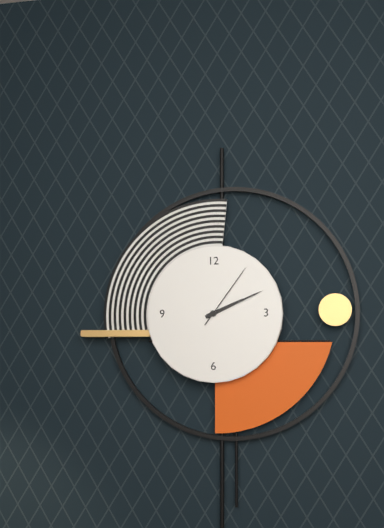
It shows 2.11.06
